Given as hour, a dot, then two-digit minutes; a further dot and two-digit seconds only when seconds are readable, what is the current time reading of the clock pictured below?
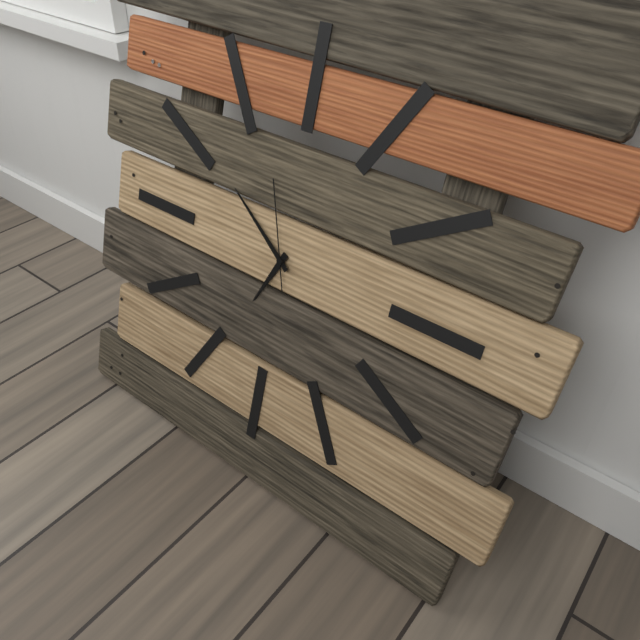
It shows 6.51.57
